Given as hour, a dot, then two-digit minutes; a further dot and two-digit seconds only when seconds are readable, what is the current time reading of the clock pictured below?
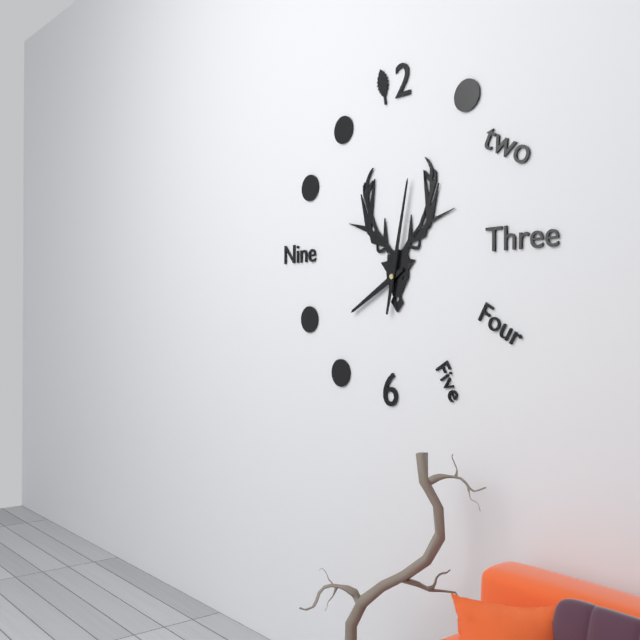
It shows 8.02
